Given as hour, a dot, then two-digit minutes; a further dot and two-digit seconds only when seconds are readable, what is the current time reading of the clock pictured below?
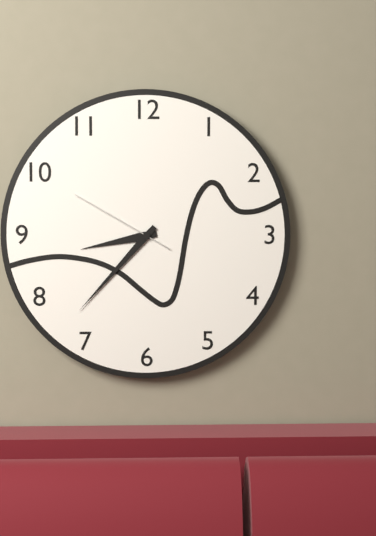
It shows 8.37.50
